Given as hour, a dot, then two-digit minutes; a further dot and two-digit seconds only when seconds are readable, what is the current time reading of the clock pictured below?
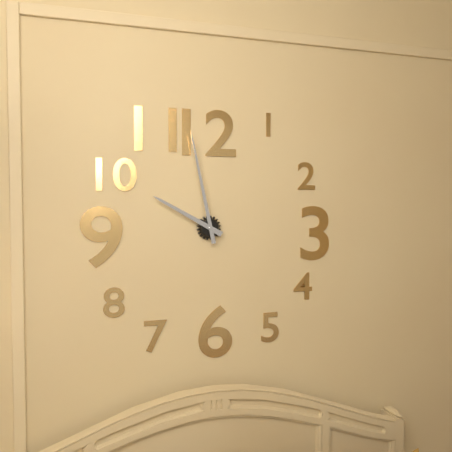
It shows 9.58
